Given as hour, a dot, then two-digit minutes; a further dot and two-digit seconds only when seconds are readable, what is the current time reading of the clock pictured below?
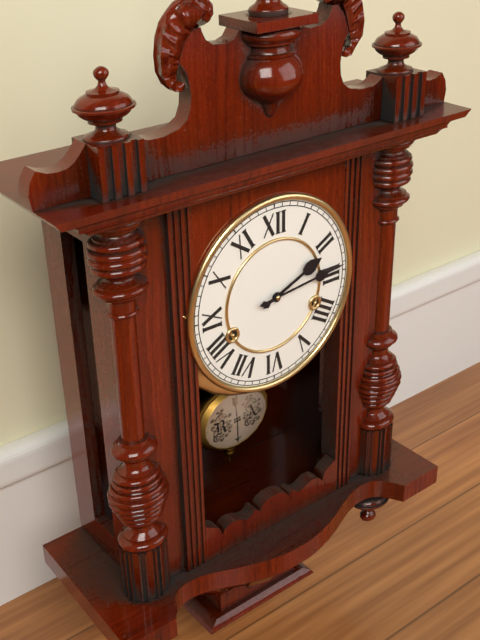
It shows 2.14
